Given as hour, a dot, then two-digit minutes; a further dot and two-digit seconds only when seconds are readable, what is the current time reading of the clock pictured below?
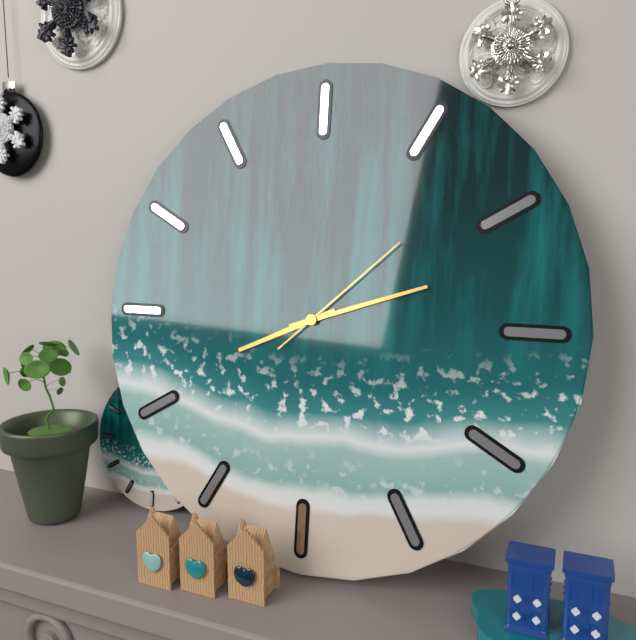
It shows 8.12.08
